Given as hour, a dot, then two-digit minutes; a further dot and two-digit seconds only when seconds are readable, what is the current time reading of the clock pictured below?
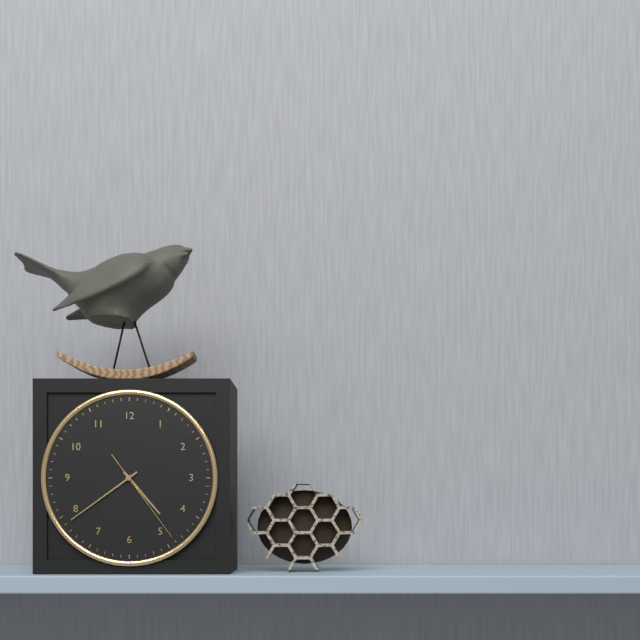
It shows 4.39.24
